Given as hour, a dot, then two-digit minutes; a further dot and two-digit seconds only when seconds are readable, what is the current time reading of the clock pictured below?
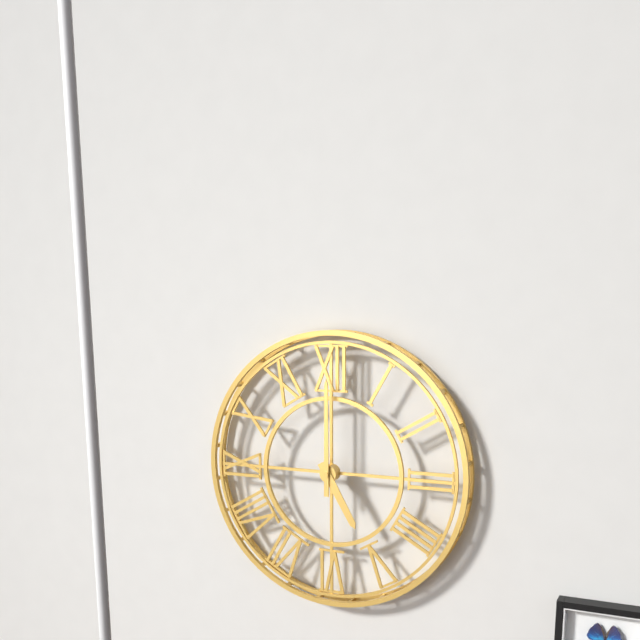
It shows 5.00
